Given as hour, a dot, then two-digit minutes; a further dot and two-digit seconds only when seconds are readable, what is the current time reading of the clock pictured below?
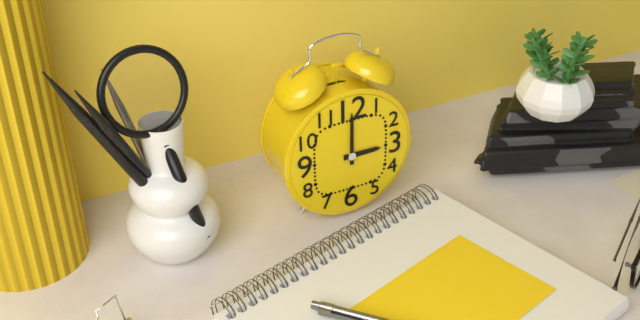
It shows 3.00
